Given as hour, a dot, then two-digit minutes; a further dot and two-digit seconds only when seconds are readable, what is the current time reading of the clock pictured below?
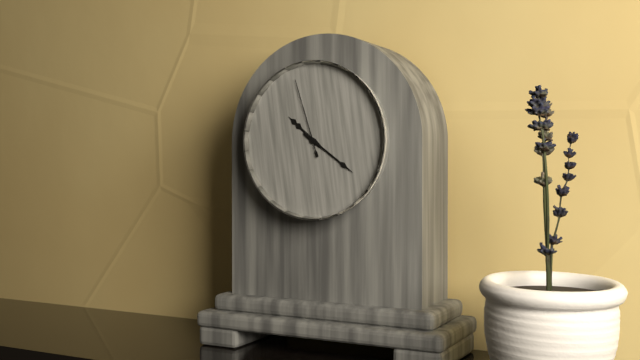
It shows 10.21.57
